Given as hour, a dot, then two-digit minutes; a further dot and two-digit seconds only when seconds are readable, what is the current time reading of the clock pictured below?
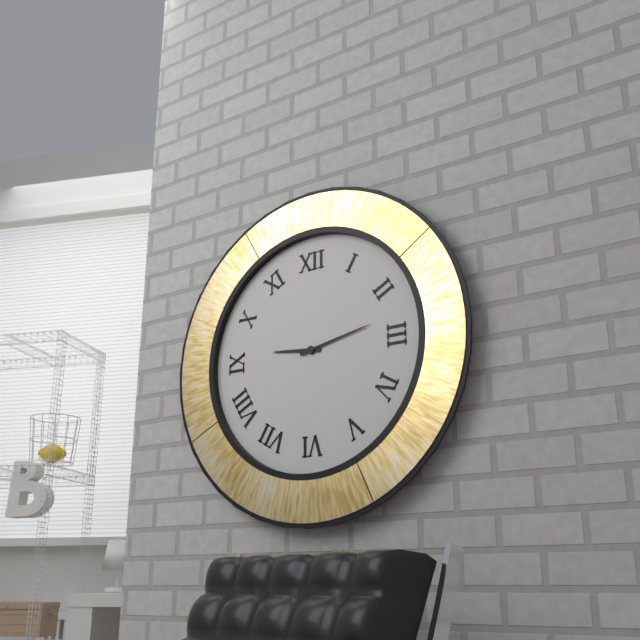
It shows 9.13
